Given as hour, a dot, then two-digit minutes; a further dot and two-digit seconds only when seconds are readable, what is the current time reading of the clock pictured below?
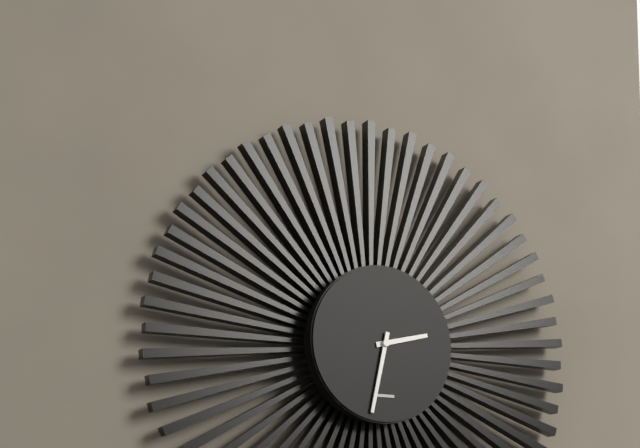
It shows 2.32
